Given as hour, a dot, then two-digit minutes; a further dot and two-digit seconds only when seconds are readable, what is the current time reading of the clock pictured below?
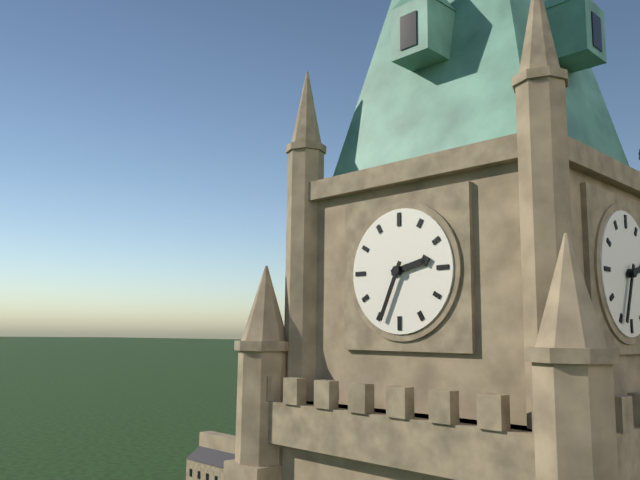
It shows 2.34
